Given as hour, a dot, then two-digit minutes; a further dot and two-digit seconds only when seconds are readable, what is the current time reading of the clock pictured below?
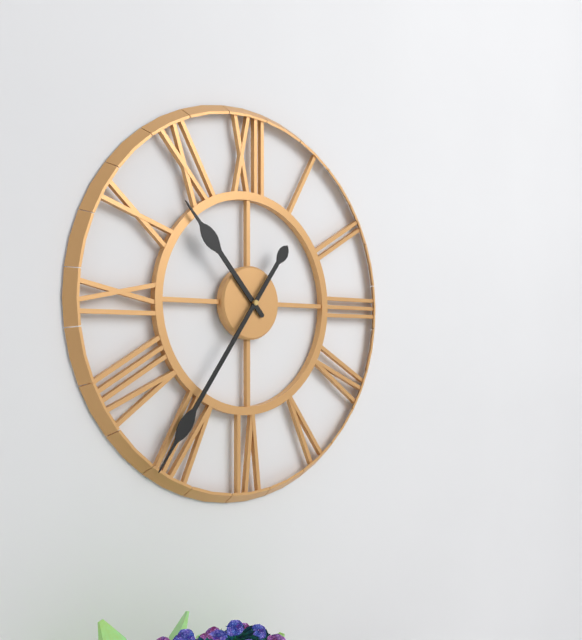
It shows 10.36
